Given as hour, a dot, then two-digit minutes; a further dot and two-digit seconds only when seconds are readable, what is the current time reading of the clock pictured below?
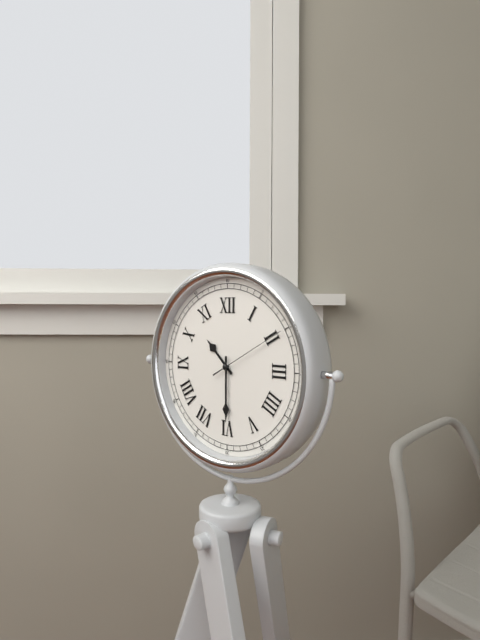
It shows 10.30.10
